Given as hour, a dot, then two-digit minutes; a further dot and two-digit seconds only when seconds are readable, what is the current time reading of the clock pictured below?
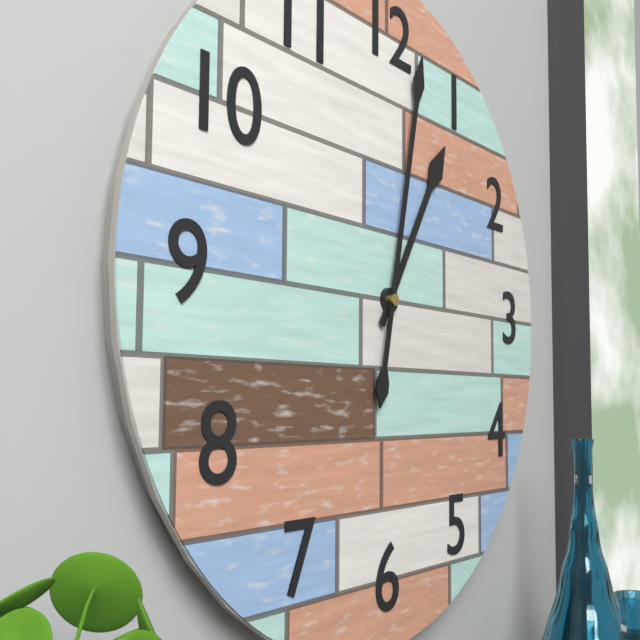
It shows 1.02
